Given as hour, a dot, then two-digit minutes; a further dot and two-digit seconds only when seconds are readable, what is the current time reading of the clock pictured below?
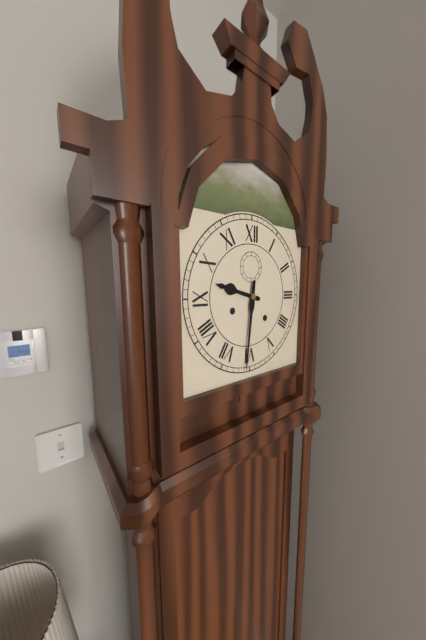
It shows 9.31
